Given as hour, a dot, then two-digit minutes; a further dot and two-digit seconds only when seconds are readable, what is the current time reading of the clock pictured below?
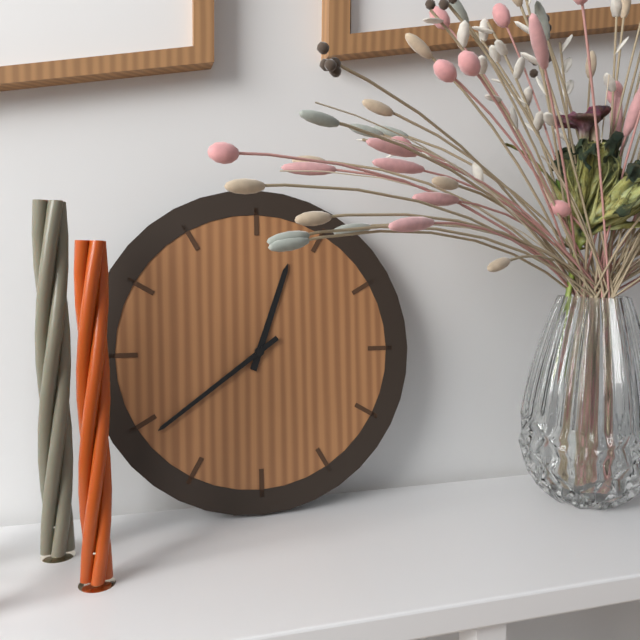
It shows 12.39
